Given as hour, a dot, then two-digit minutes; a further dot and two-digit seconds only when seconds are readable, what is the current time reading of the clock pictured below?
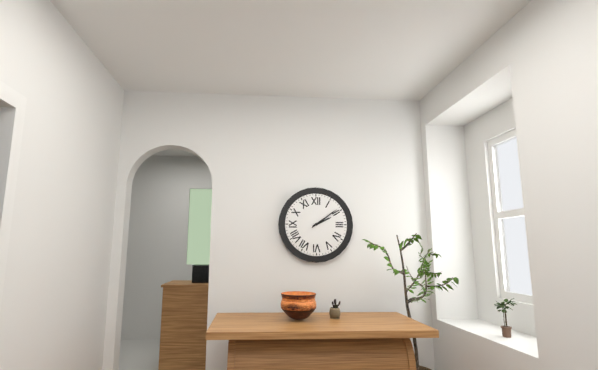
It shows 2.09
